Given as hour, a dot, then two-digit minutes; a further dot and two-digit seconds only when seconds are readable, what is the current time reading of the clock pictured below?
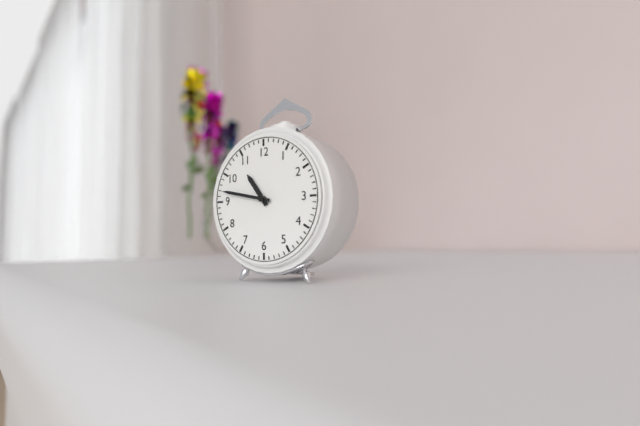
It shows 10.47
